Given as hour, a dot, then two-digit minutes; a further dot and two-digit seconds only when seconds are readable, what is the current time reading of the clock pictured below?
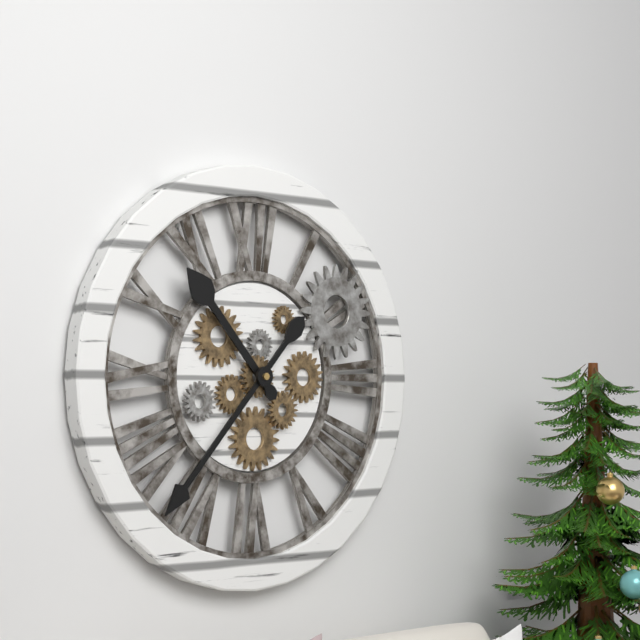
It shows 10.37
